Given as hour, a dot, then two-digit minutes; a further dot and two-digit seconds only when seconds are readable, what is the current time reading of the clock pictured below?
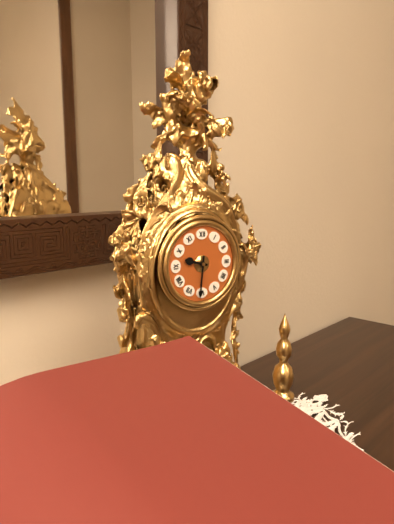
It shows 9.31
